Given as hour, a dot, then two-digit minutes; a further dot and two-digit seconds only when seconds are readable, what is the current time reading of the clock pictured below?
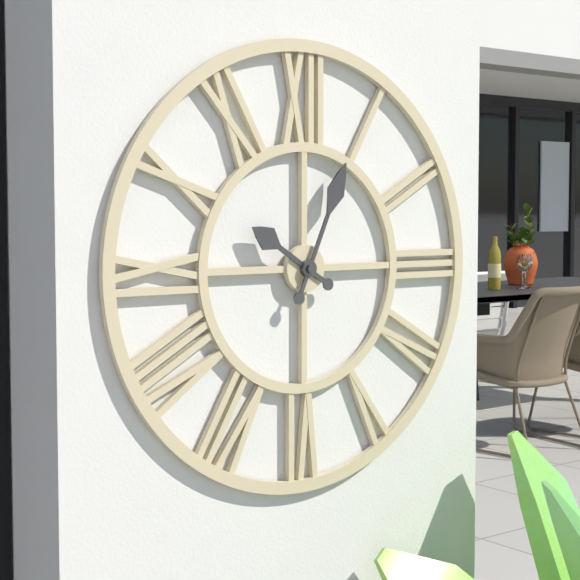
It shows 10.04
